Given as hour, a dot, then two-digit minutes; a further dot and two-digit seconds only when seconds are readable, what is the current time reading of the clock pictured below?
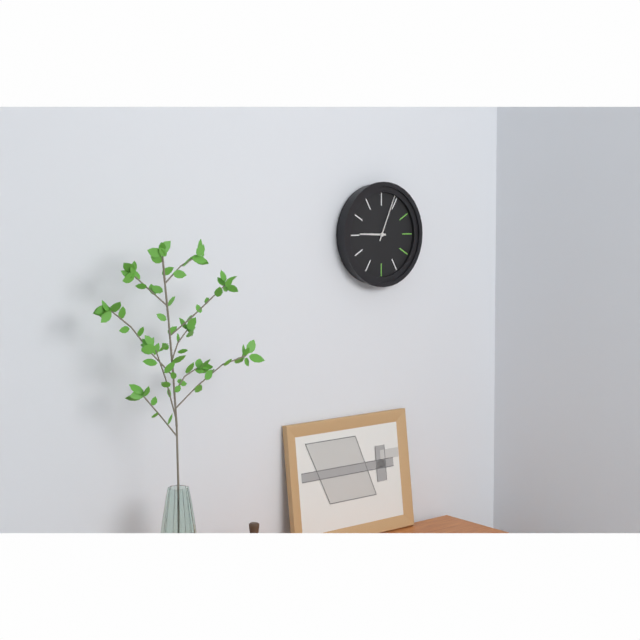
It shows 9.04
